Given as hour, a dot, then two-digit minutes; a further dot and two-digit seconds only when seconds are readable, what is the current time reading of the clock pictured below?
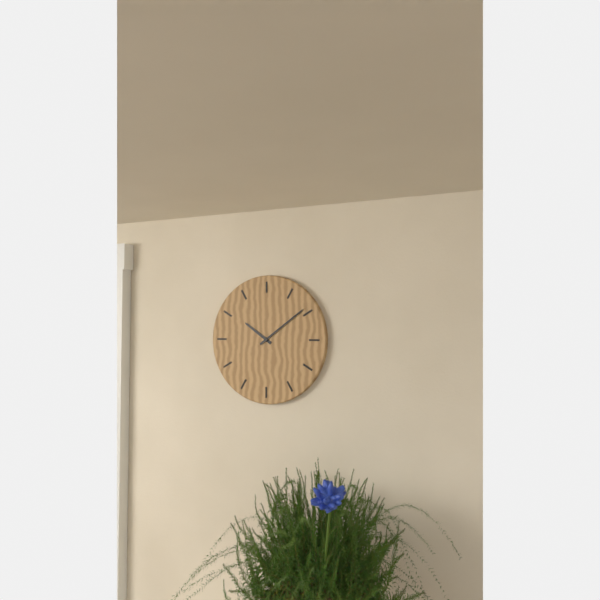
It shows 10.09
